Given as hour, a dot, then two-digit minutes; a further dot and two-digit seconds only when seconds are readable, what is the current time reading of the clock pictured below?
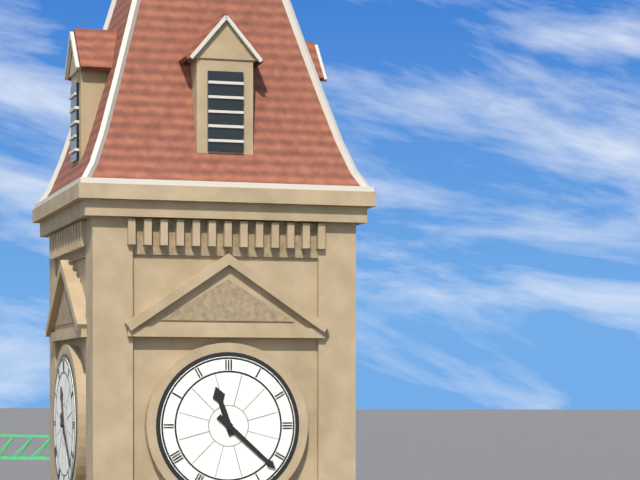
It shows 11.22
